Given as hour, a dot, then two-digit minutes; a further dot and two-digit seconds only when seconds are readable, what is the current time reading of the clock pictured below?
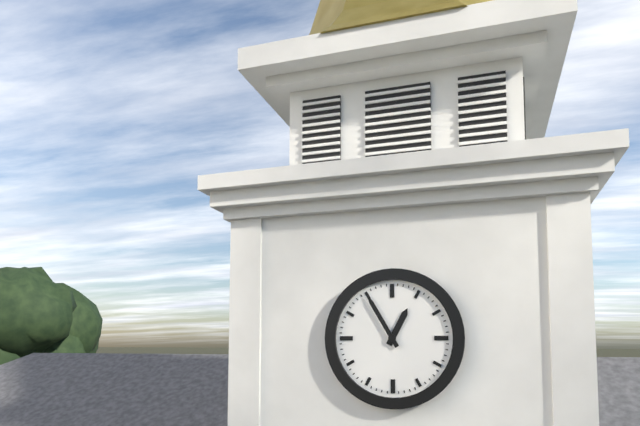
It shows 12.55
